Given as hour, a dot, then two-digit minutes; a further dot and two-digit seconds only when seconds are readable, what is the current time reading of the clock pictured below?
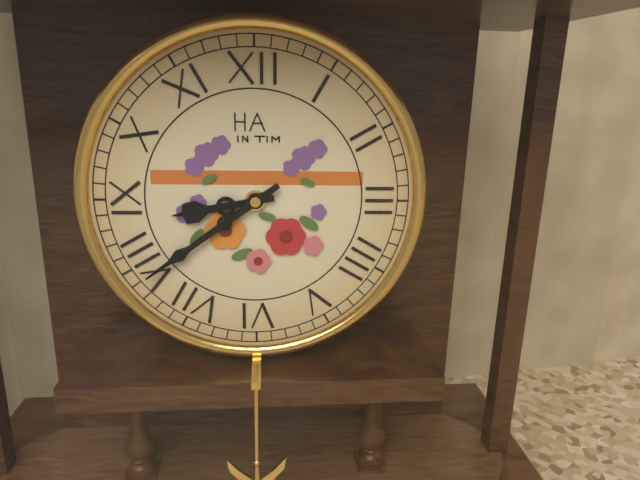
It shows 8.39
